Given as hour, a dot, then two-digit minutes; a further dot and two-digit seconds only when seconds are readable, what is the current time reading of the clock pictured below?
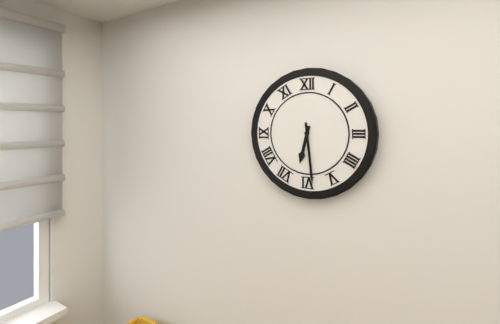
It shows 6.29
